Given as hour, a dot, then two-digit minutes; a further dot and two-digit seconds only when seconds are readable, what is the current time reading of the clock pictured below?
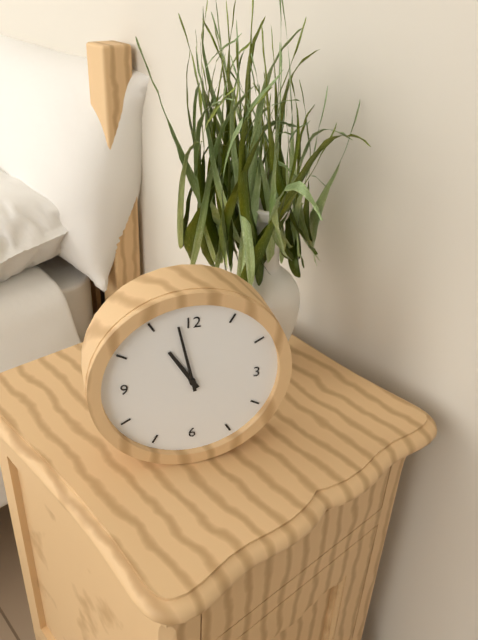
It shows 10.58
